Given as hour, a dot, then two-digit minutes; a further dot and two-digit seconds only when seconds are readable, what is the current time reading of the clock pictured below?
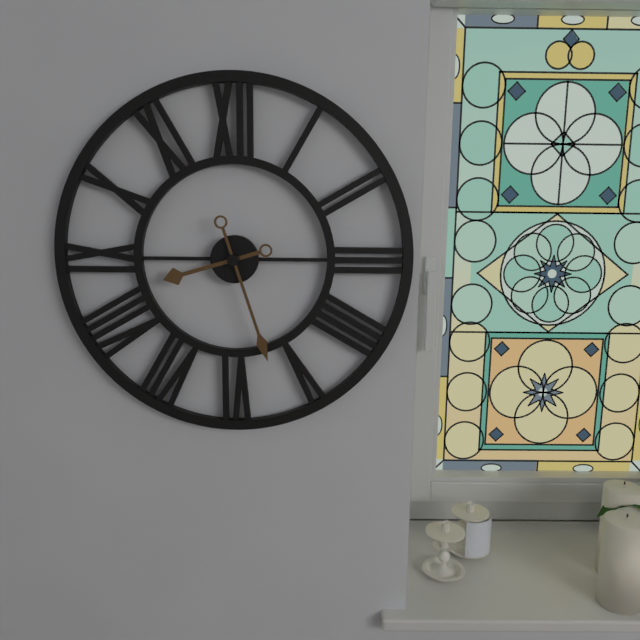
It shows 8.27
